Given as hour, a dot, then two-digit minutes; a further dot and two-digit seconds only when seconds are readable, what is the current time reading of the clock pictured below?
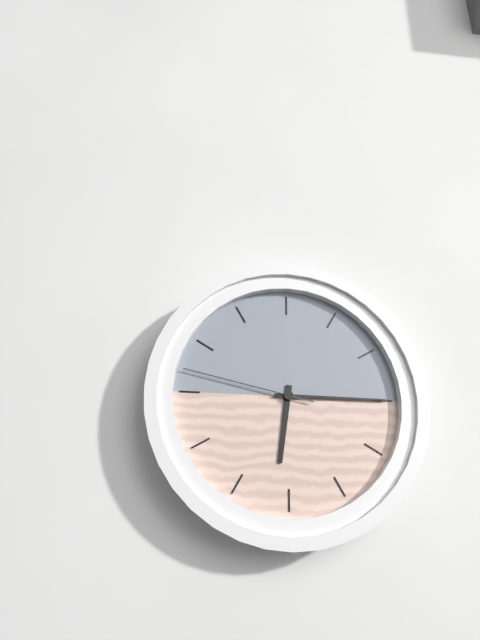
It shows 6.15.47
